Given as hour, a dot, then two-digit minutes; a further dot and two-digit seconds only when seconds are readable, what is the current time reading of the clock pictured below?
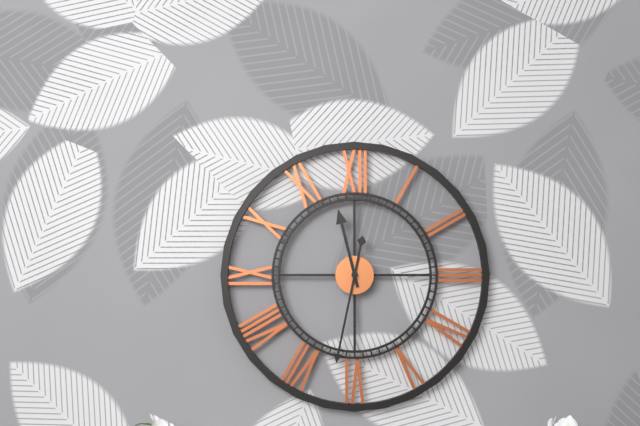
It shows 11.32
